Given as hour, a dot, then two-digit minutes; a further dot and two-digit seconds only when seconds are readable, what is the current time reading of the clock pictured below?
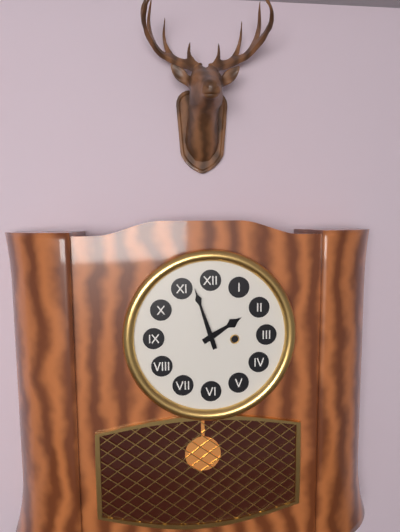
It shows 1.57
